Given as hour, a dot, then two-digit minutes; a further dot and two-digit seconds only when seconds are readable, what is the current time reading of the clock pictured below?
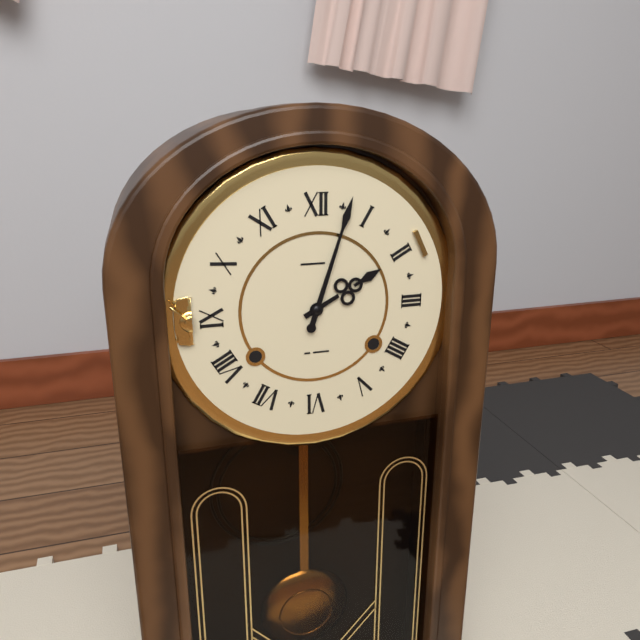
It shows 2.03
